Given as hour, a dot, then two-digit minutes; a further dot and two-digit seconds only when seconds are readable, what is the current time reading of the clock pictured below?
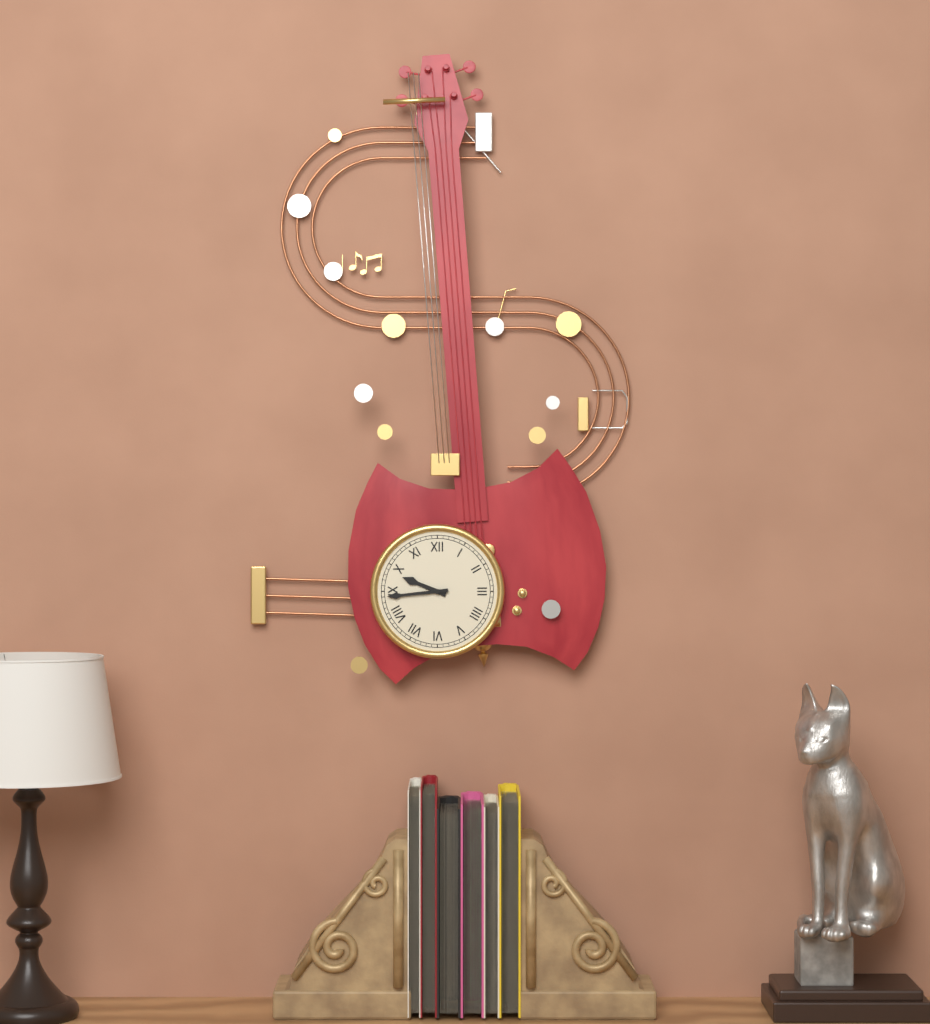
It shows 9.44
